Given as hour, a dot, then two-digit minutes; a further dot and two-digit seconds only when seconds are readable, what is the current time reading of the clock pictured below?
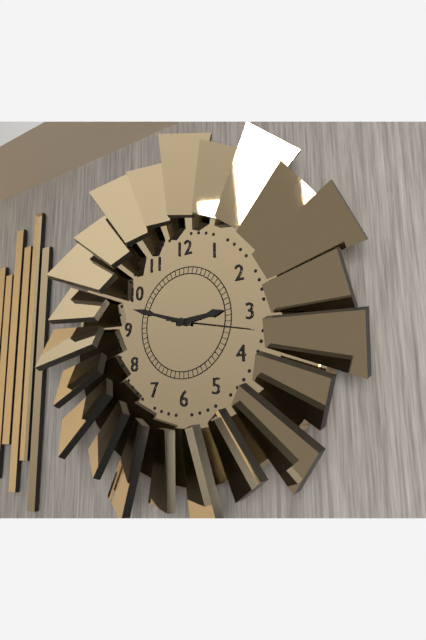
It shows 2.48.17
